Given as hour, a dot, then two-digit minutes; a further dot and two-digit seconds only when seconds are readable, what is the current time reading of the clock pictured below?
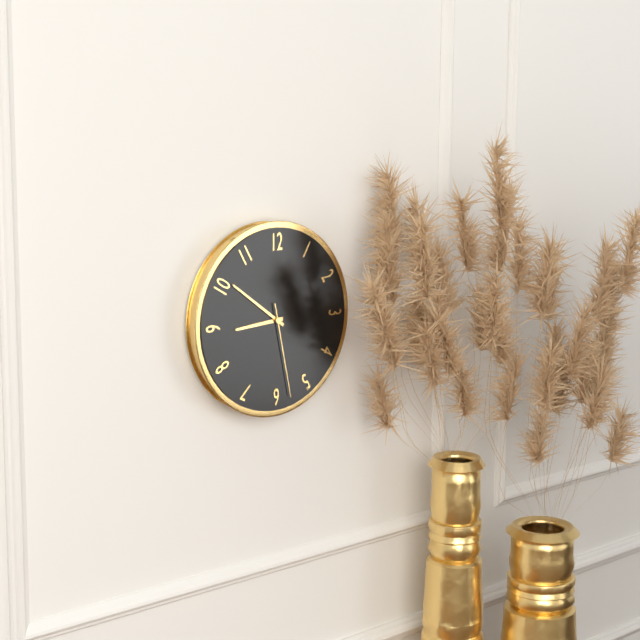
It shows 8.51.28
